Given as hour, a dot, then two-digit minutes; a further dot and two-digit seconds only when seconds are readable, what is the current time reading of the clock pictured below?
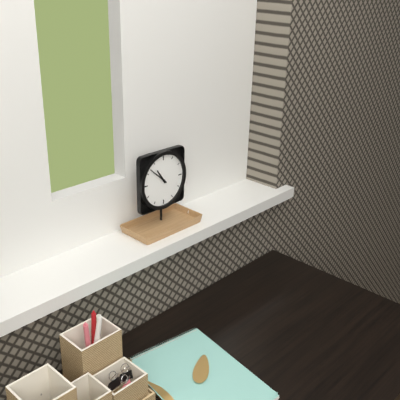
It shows 10.52
